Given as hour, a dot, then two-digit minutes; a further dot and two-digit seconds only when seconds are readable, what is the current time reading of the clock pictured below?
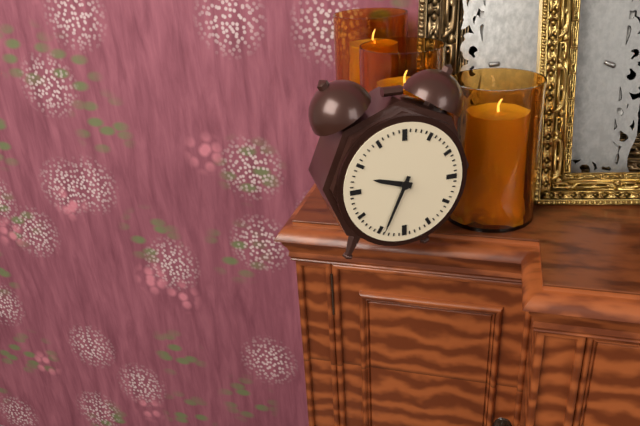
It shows 9.34
